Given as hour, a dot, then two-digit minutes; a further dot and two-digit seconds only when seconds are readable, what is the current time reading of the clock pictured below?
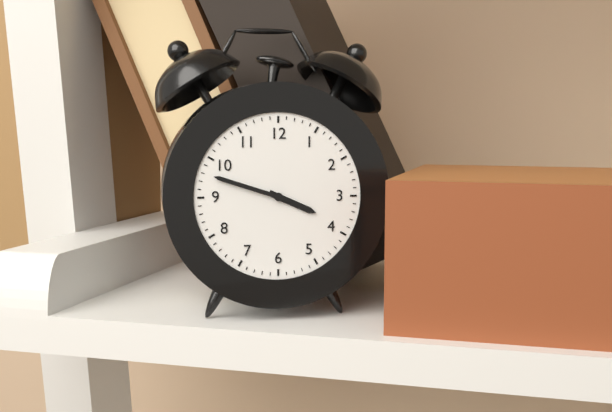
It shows 3.48
